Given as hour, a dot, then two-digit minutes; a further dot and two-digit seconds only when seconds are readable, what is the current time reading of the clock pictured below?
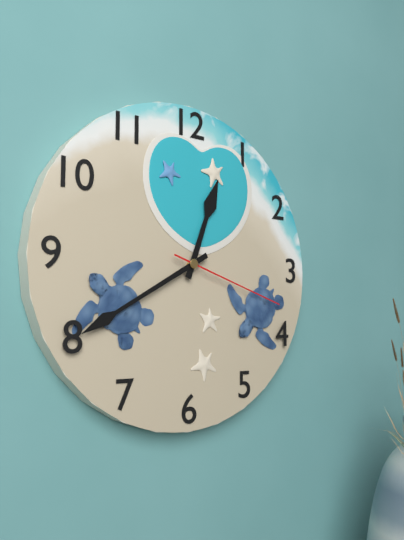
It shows 12.40.18
